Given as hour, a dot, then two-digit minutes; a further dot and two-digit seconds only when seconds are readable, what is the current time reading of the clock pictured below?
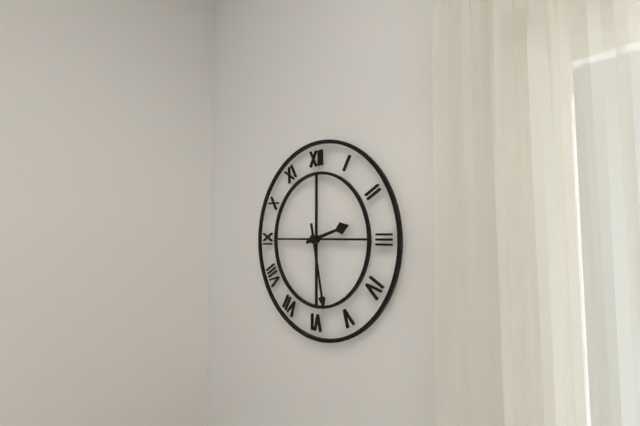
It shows 2.28
